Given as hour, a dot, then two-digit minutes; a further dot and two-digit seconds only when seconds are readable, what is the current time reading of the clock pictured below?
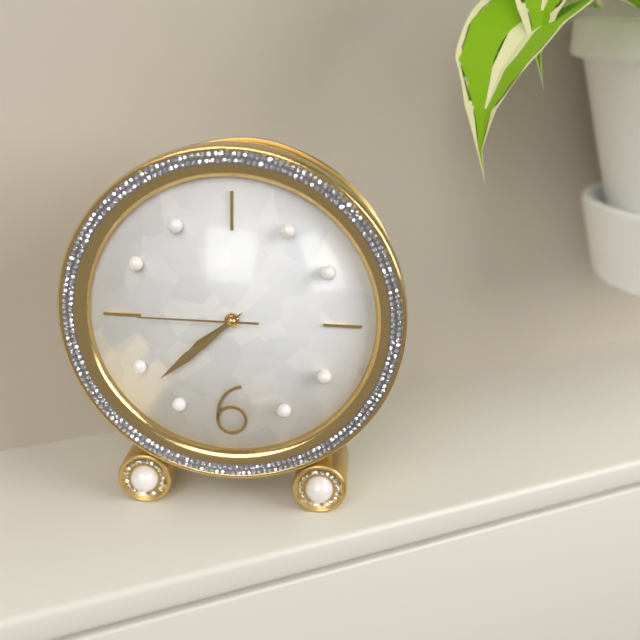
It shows 7.38.45
